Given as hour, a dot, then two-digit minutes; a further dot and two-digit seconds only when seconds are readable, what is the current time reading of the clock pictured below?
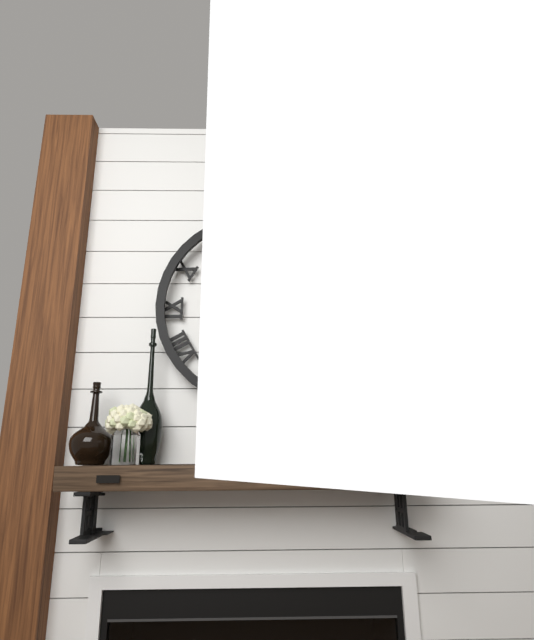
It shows 7.37
